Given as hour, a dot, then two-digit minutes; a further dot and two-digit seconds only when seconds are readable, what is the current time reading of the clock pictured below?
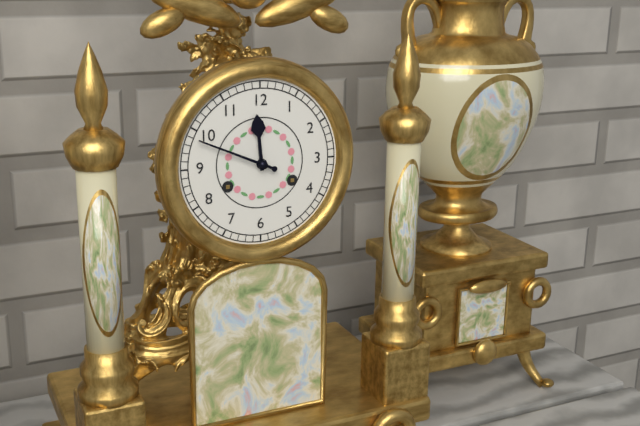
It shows 11.49
